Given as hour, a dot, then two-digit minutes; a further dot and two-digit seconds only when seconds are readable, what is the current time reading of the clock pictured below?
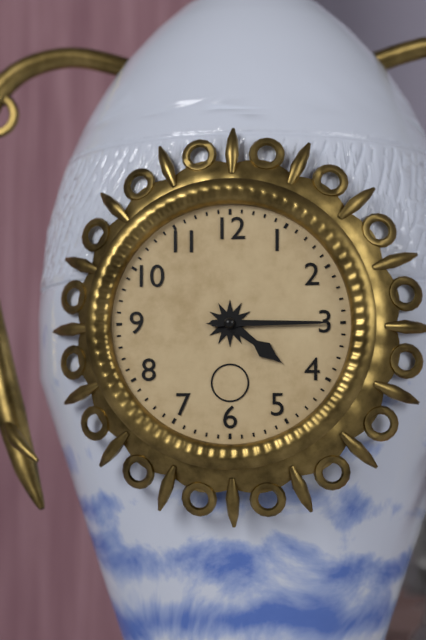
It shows 4.15
